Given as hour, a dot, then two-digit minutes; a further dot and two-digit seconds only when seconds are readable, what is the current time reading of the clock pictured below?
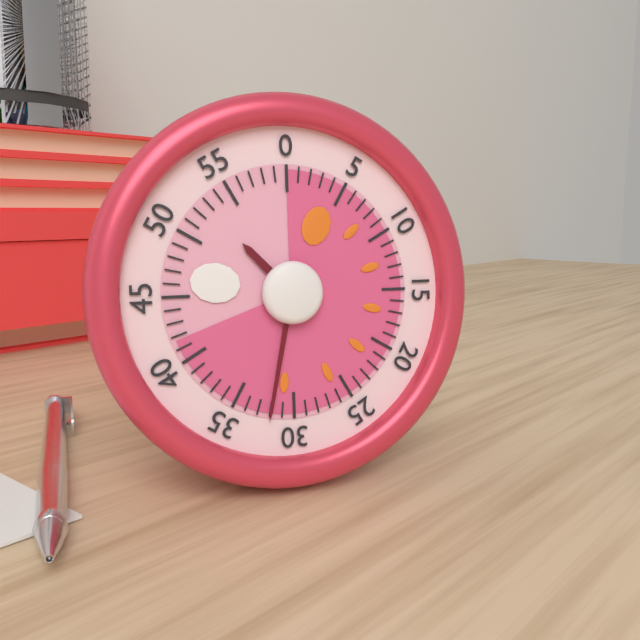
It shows 10.32
